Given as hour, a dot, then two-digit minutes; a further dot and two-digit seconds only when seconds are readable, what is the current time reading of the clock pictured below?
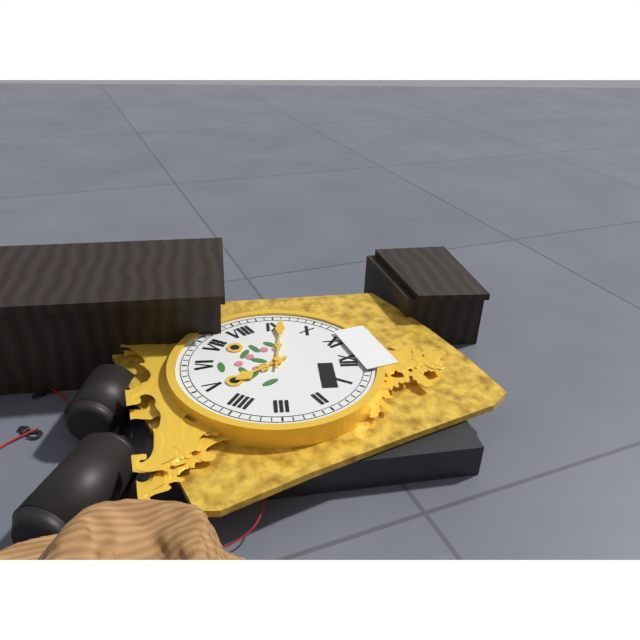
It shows 4.46
